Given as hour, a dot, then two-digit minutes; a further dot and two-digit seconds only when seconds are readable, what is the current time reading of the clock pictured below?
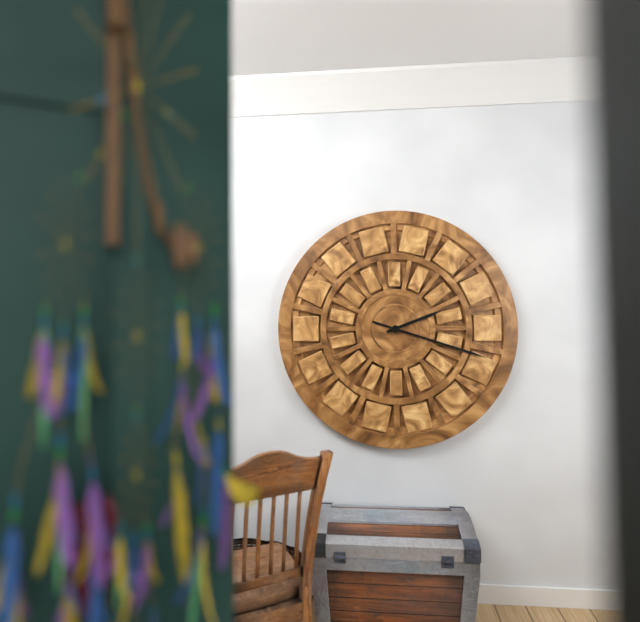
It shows 2.18
